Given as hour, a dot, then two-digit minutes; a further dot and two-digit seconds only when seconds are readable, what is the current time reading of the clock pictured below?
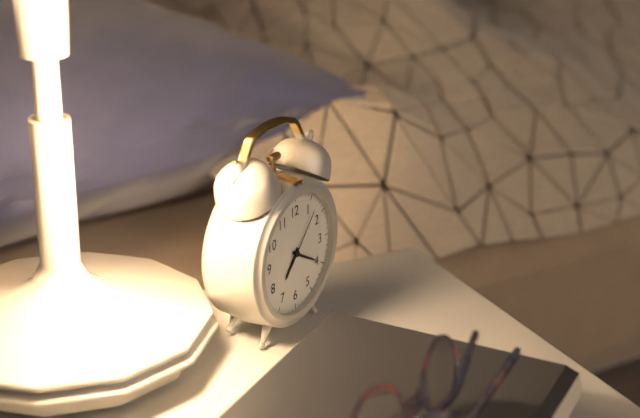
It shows 7.20.07
